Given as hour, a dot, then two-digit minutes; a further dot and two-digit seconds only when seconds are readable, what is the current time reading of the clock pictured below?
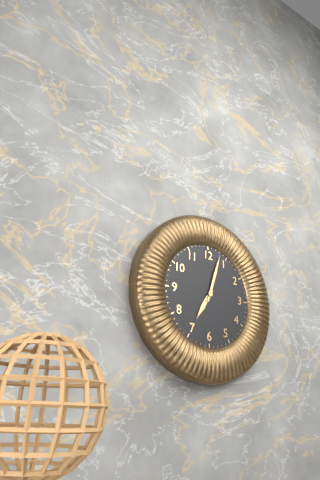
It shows 7.03
